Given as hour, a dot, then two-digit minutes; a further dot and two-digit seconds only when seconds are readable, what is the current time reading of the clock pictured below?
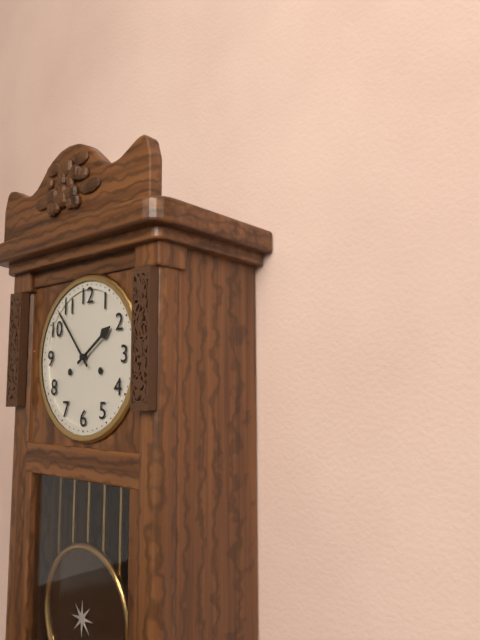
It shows 1.53
